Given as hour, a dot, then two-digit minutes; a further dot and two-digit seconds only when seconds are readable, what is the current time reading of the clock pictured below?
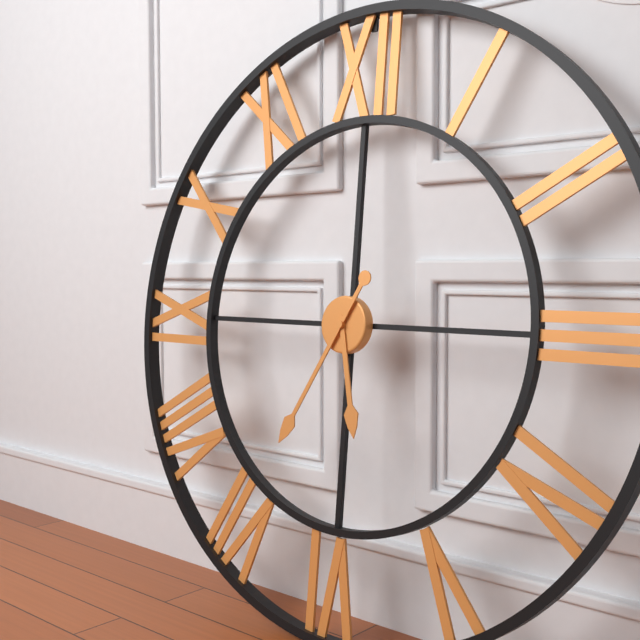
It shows 5.35
